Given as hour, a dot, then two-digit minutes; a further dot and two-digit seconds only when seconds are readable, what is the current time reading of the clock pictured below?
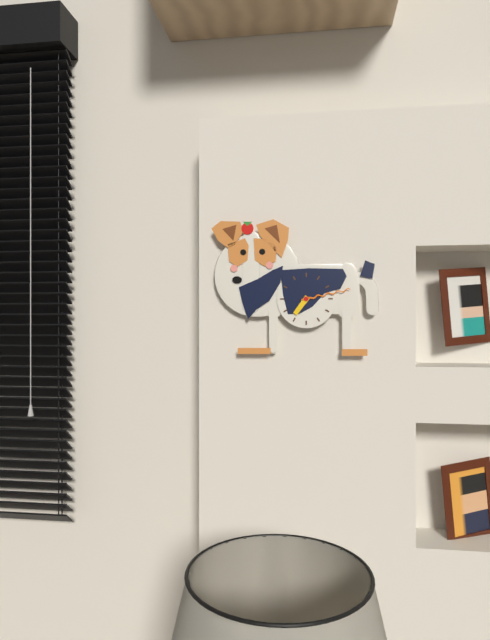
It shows 7.13
